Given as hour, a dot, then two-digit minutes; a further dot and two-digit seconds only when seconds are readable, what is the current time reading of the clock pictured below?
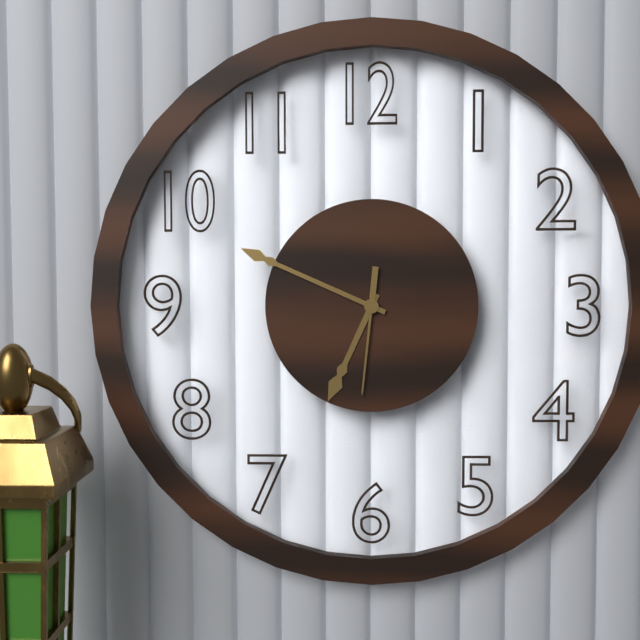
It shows 6.49.31
